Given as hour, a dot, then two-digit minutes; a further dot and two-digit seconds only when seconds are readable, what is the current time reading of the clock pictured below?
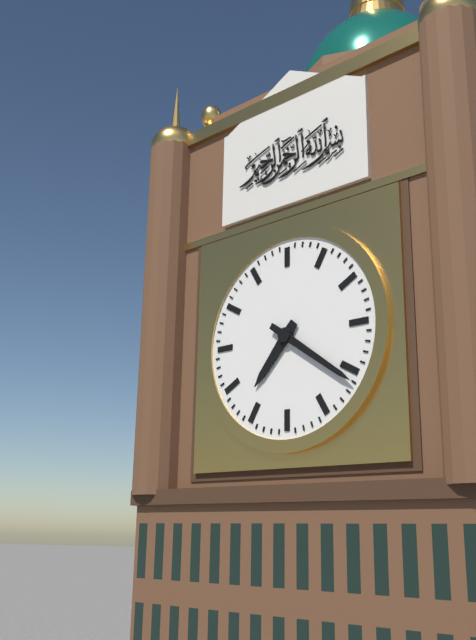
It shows 7.21
